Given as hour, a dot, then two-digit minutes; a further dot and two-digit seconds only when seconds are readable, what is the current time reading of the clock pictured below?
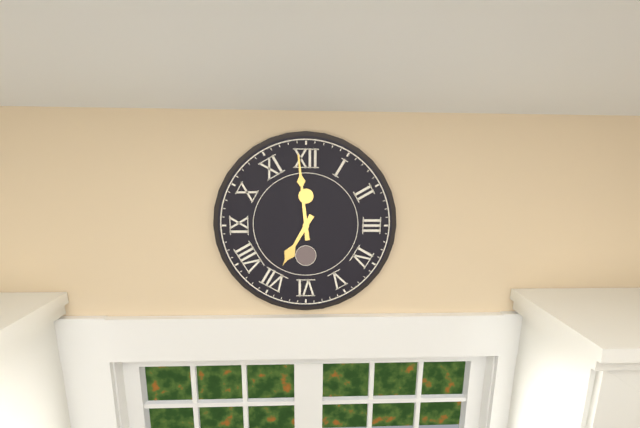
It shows 6.59
